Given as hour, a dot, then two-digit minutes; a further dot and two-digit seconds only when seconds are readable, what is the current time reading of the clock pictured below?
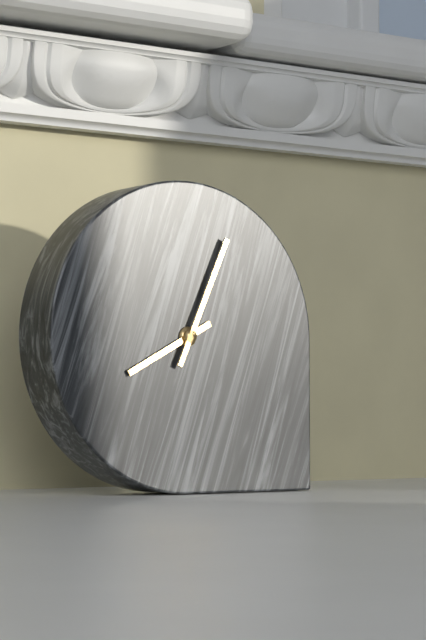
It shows 8.04
